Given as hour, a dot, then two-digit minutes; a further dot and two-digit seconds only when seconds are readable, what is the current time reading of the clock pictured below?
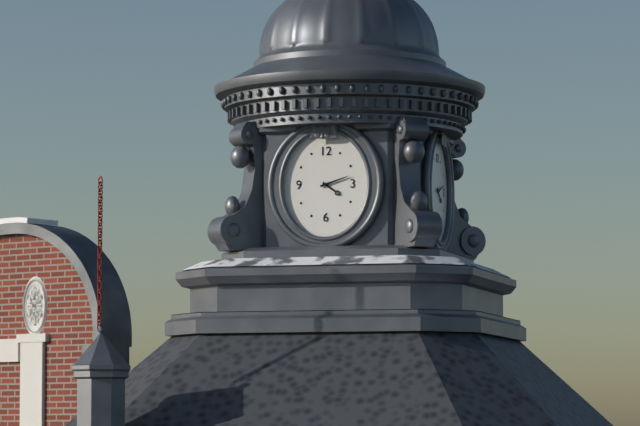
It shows 4.12
